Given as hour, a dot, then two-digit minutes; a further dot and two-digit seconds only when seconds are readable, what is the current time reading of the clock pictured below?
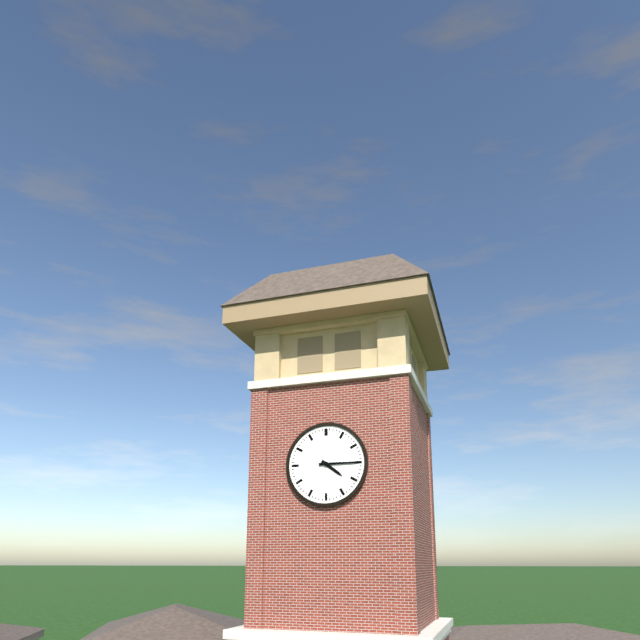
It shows 4.15
